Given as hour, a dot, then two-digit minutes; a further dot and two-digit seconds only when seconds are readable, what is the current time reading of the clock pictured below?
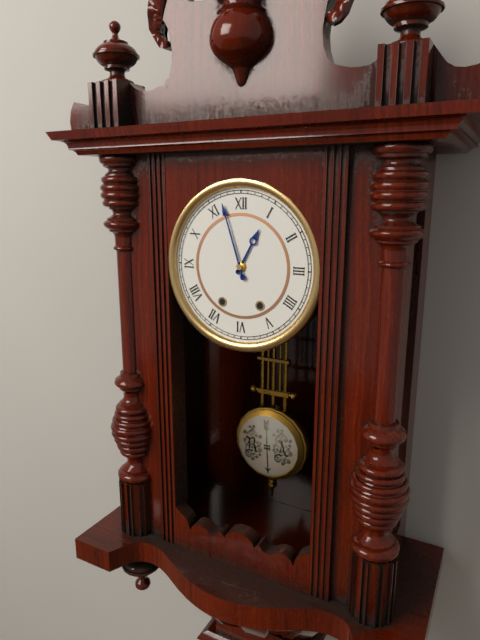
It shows 12.57
